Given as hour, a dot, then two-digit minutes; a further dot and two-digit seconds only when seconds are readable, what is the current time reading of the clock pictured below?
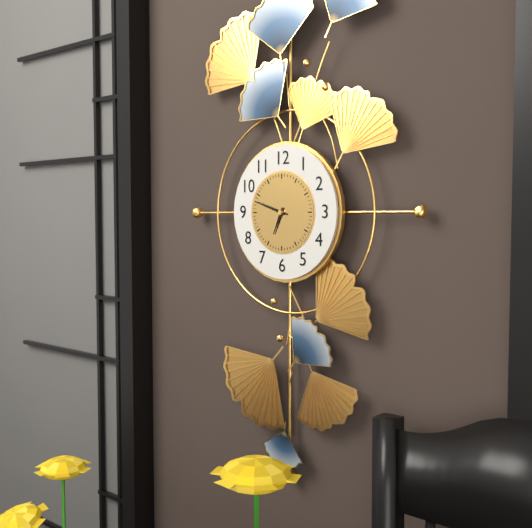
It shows 6.48
